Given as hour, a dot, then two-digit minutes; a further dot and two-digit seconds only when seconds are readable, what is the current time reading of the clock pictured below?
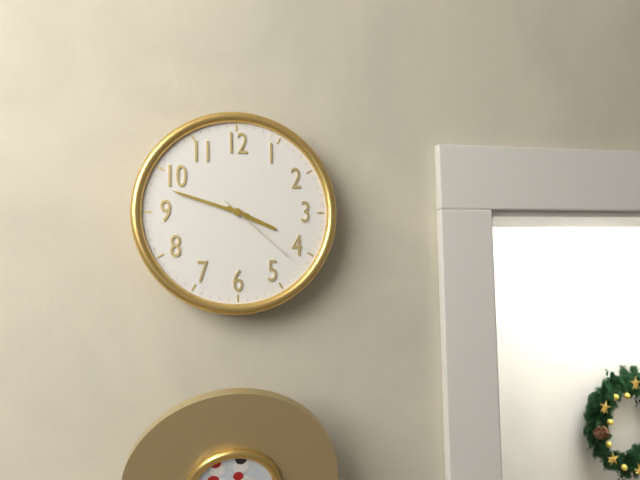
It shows 3.48.22
